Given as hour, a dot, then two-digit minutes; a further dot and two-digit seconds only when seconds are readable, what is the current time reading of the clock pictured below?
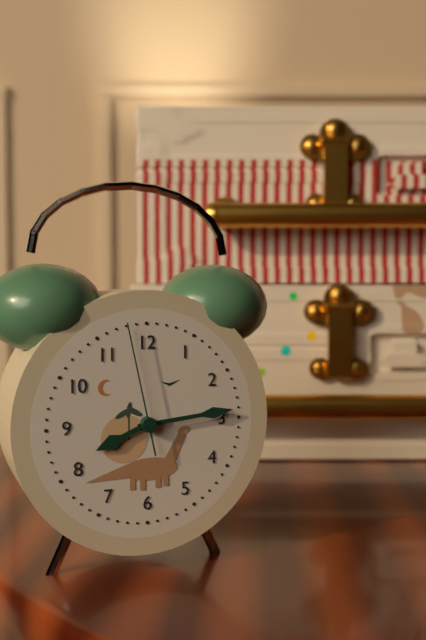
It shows 8.14.58
